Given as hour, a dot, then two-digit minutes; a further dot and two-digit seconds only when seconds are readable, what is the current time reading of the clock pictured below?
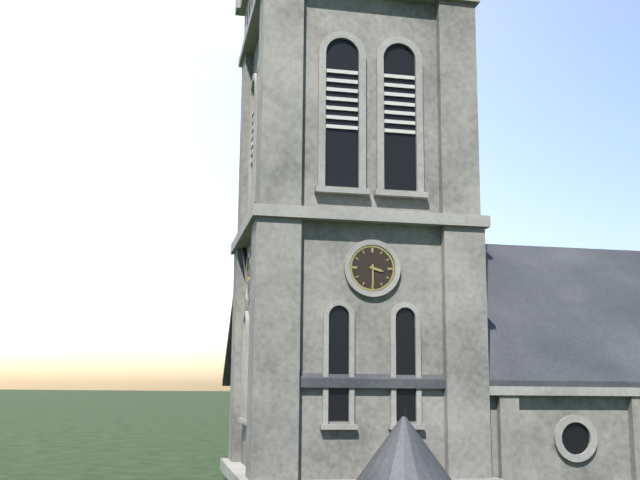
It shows 3.30
